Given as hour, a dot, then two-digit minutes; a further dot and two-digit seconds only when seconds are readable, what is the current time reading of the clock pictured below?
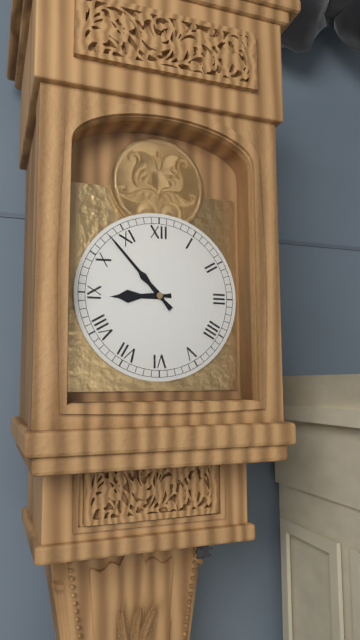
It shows 8.53
